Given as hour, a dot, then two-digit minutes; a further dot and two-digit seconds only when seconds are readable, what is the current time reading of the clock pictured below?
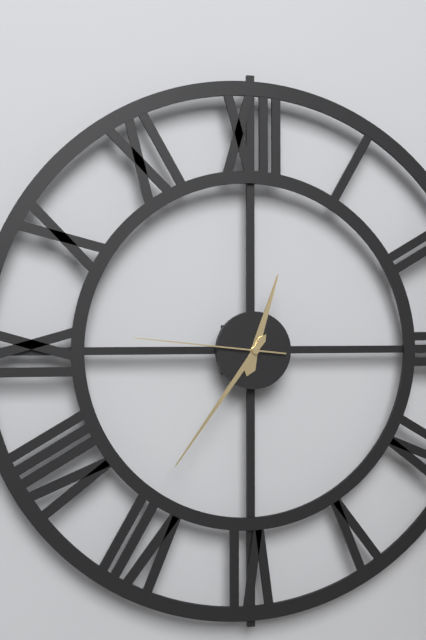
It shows 12.36.46
